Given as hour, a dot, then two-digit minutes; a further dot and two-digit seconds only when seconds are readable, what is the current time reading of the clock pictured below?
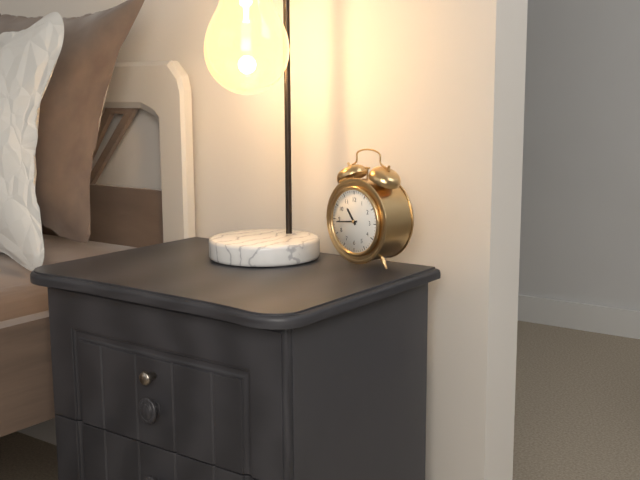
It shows 10.44
